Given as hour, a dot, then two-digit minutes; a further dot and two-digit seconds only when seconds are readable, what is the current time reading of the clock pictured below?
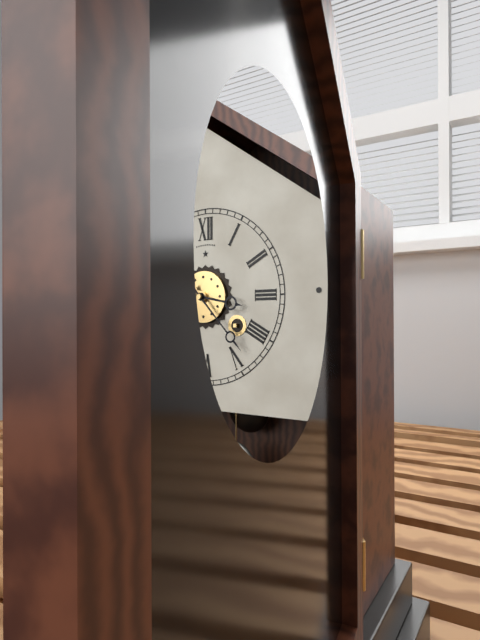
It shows 3.23
